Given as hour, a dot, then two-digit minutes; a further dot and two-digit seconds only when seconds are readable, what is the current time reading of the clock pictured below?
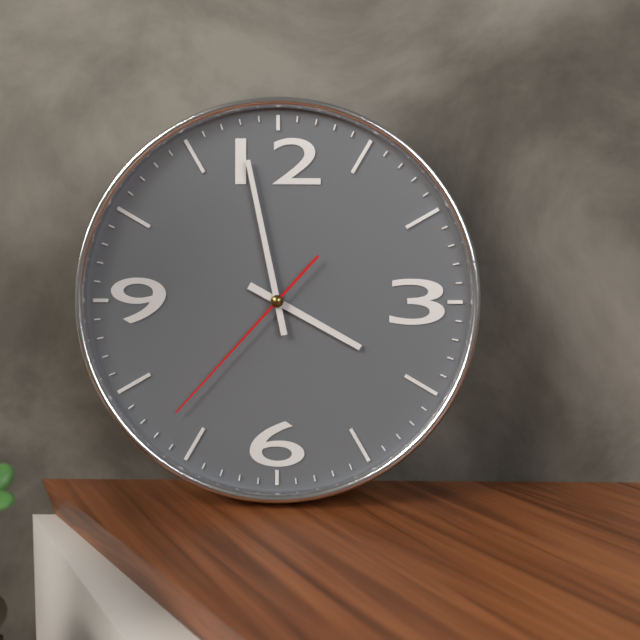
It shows 3.58.37
